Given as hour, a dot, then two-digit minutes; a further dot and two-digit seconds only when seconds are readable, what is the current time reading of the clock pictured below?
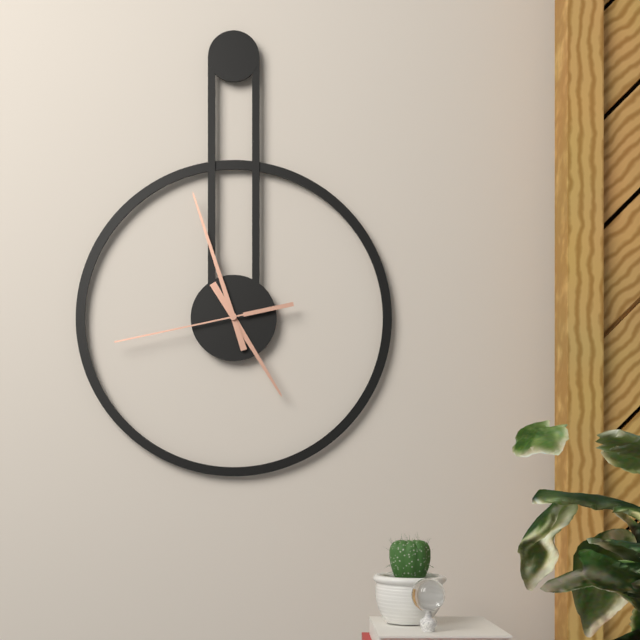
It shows 4.57.43
